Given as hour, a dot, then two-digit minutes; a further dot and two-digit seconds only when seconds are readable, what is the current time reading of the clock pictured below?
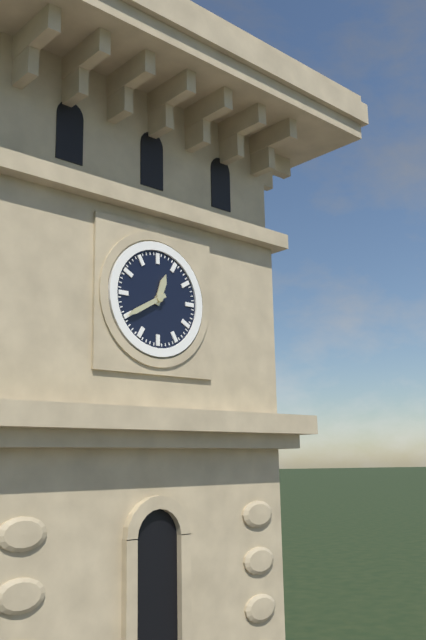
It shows 12.40
